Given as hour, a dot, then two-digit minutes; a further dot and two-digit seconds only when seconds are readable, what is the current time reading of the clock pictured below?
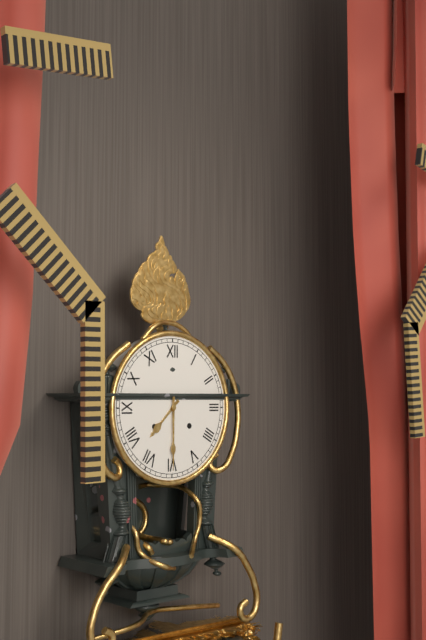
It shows 7.30
